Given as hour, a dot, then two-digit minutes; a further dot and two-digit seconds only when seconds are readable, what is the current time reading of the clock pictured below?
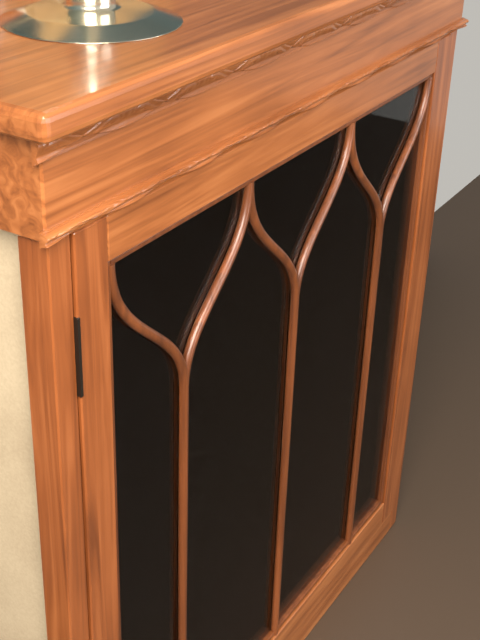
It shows 8.25
